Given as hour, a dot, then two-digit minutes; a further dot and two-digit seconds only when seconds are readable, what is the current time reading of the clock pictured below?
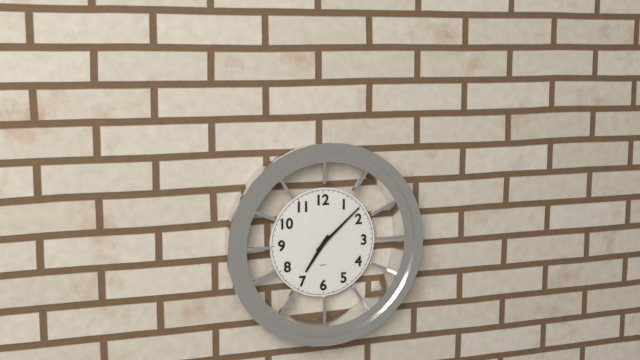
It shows 7.08
